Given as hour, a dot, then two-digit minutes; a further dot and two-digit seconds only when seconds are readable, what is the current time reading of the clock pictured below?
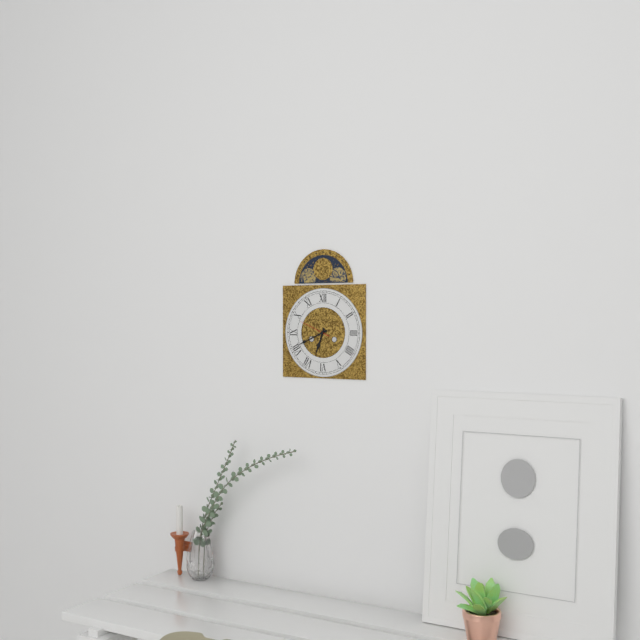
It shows 6.41
